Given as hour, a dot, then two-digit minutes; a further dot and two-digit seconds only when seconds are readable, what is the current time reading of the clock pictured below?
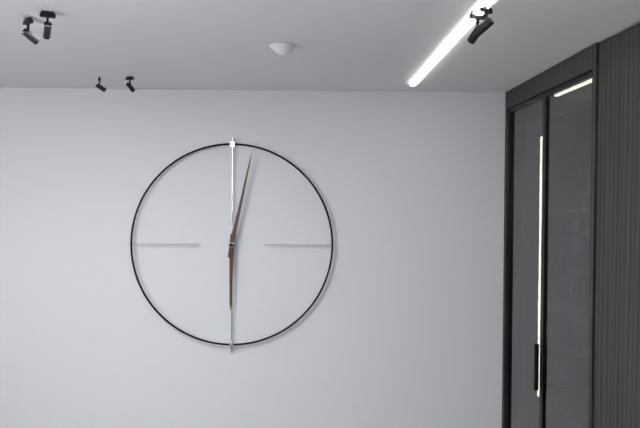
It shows 6.02
